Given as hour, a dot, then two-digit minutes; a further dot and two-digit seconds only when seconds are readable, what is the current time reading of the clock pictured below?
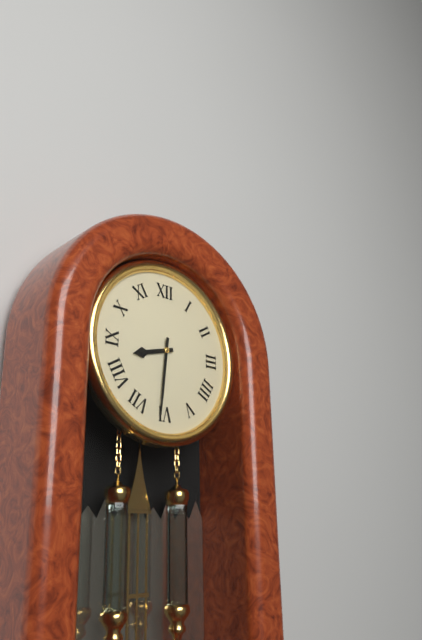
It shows 8.31
